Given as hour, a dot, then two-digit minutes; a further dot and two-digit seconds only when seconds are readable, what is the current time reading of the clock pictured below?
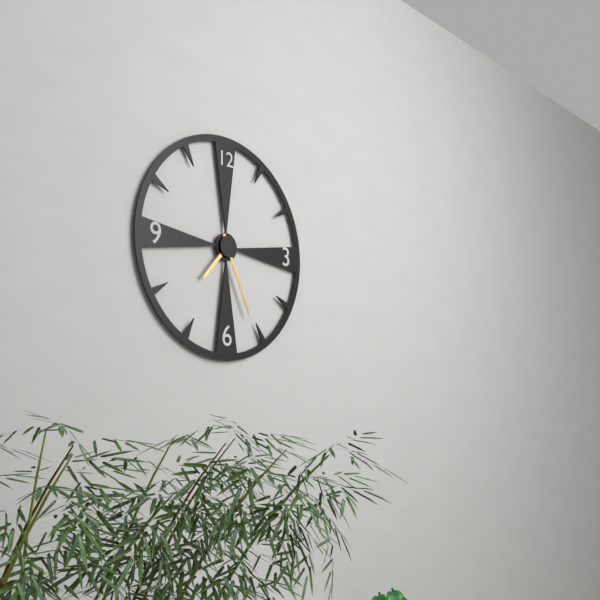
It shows 7.26
